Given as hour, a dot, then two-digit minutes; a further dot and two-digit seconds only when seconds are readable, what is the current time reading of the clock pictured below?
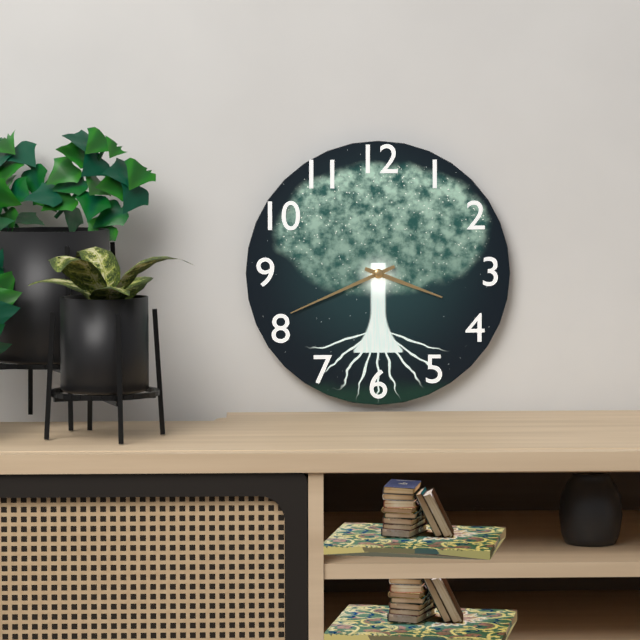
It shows 3.41
